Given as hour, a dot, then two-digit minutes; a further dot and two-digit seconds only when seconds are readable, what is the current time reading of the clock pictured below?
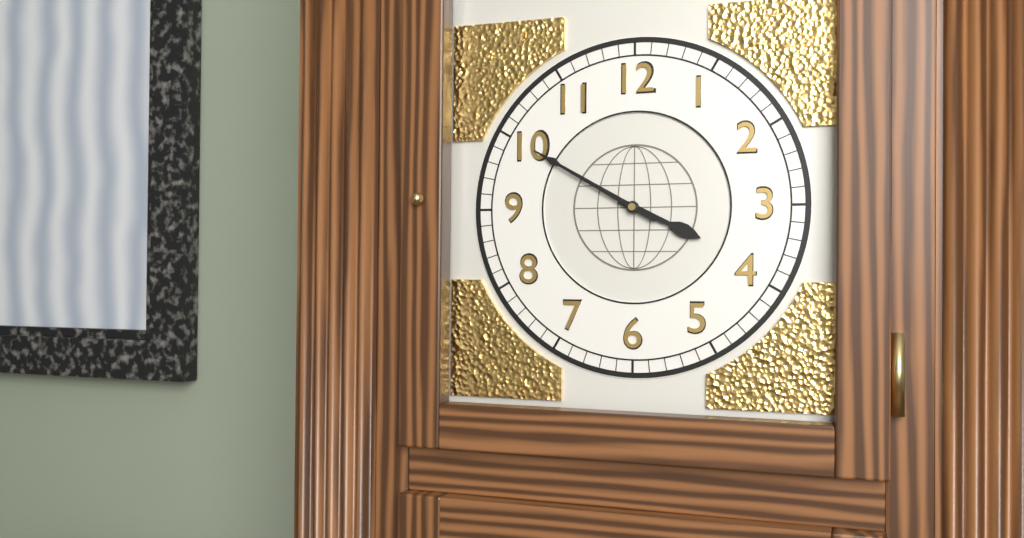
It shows 3.50
